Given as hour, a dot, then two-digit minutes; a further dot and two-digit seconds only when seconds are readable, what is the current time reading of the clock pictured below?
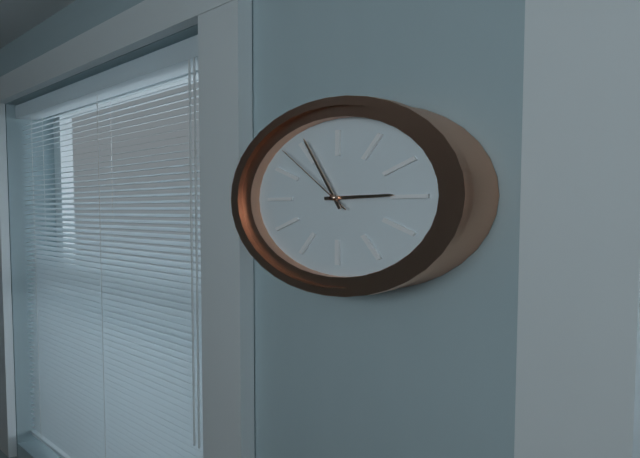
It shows 2.56.53
